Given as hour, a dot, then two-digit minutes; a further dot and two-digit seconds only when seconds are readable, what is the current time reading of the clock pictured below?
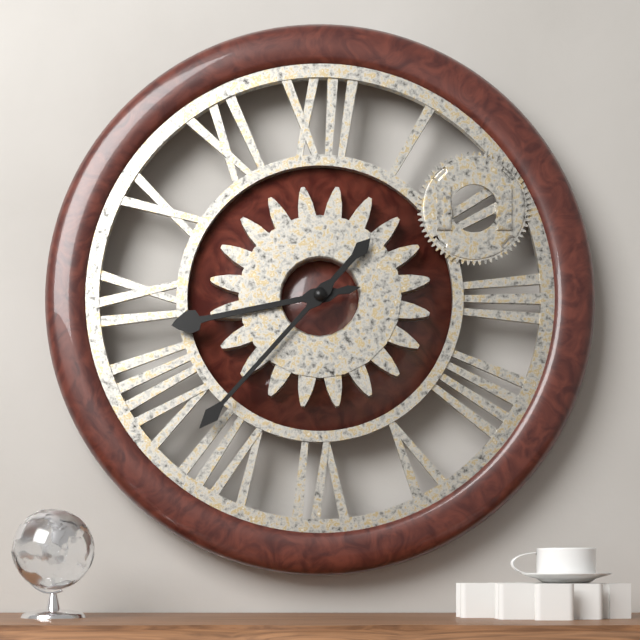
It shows 8.37
